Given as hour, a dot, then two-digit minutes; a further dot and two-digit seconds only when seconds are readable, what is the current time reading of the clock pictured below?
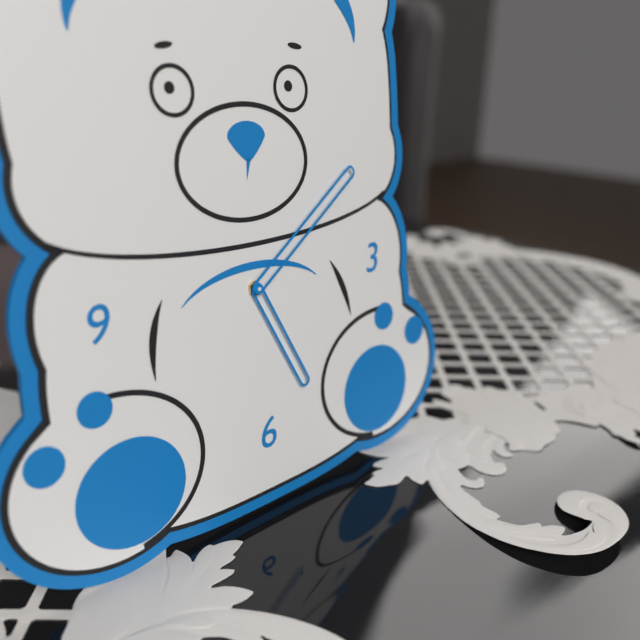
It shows 5.09
